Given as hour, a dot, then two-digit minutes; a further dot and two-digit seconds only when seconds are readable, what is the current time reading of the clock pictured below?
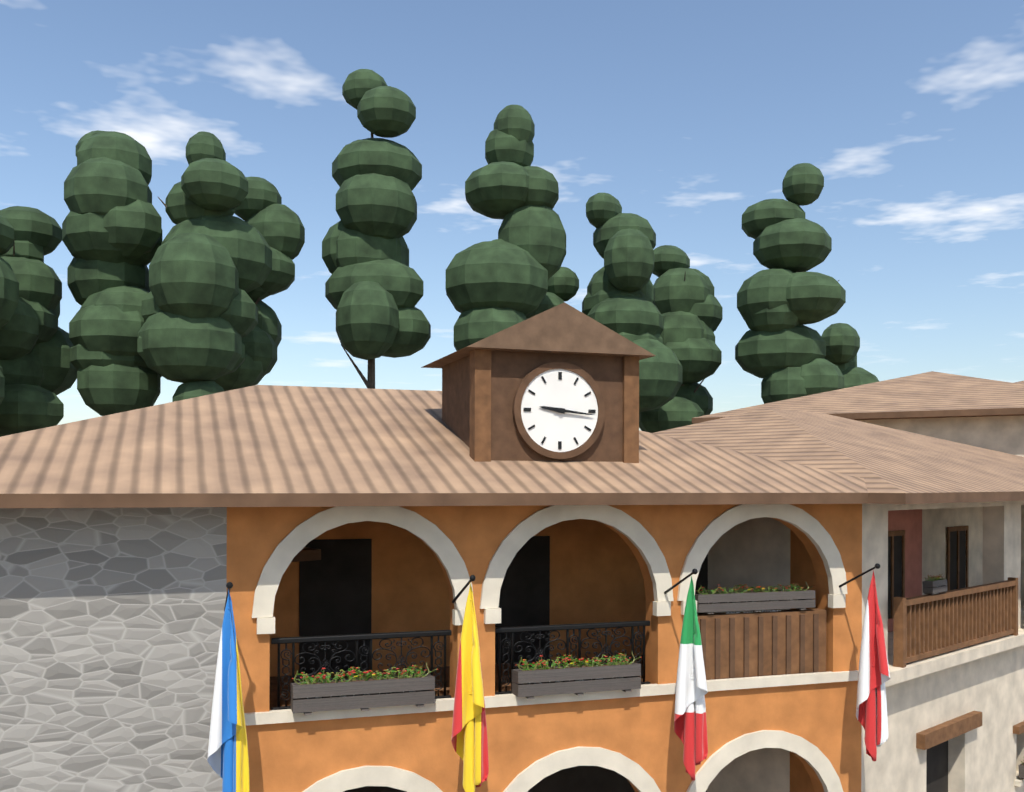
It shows 9.16
